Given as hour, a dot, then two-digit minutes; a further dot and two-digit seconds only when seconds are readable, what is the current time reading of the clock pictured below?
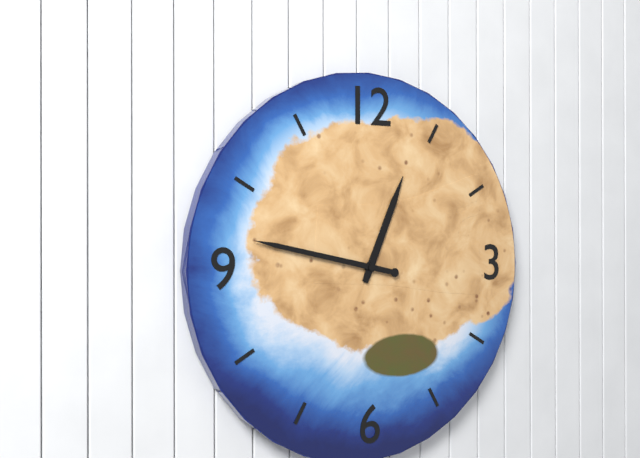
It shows 12.47
